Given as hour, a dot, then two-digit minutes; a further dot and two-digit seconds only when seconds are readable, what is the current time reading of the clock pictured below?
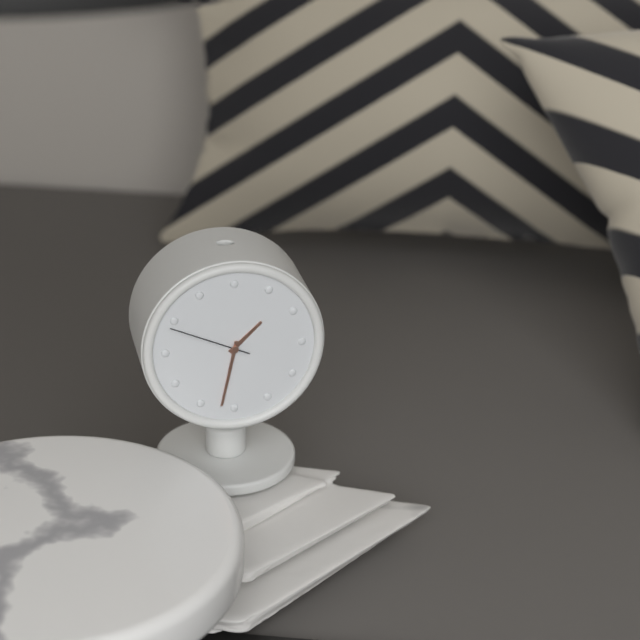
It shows 1.32.49
